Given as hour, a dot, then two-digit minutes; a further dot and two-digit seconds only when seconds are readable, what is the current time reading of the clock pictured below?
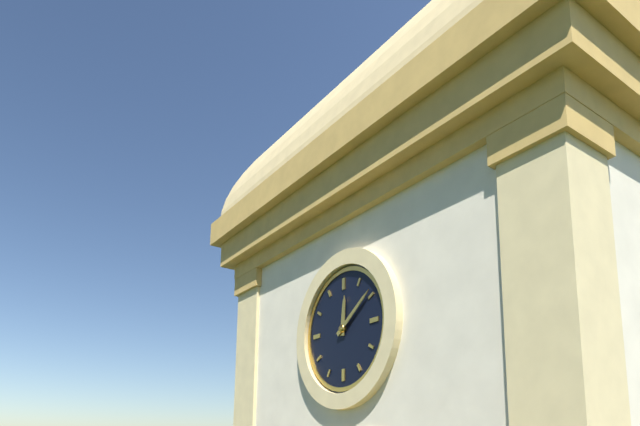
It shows 12.09
